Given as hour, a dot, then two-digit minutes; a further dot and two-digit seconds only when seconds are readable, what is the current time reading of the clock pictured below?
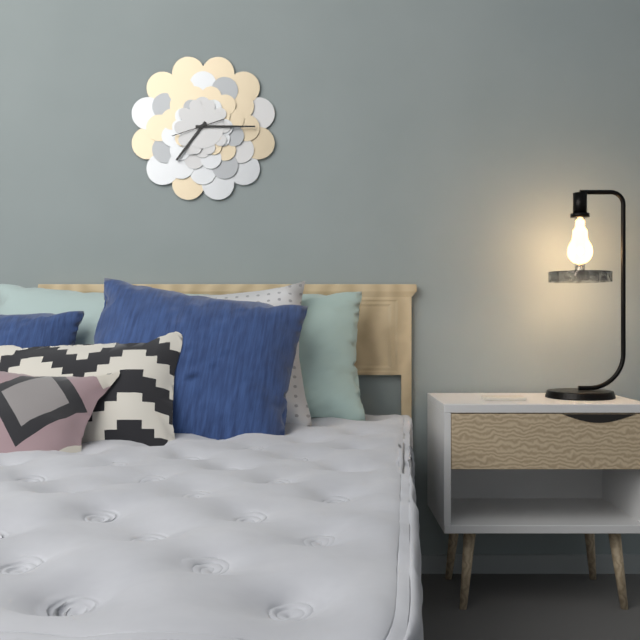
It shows 7.15
